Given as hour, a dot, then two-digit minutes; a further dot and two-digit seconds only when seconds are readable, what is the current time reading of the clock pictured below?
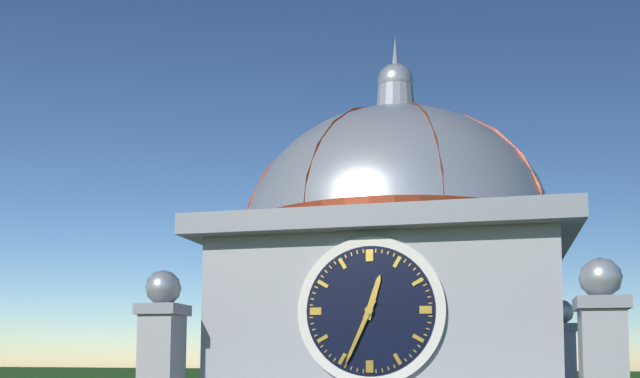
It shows 12.34
